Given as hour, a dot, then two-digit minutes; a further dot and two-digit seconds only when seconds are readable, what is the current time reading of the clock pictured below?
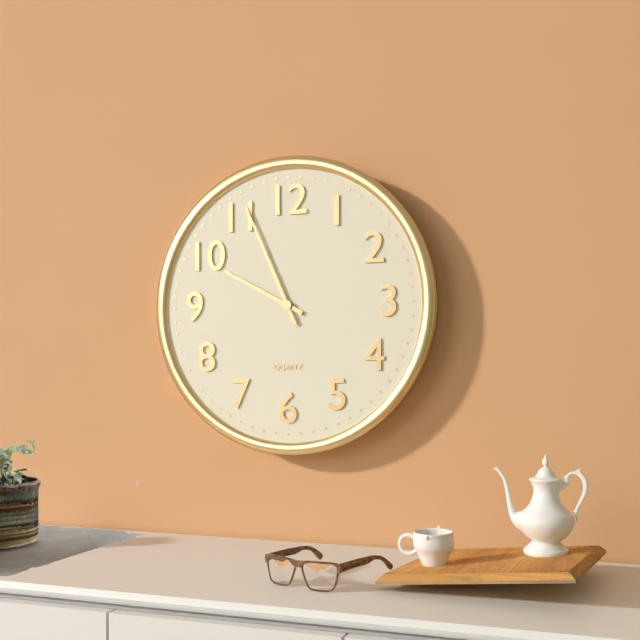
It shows 9.56
